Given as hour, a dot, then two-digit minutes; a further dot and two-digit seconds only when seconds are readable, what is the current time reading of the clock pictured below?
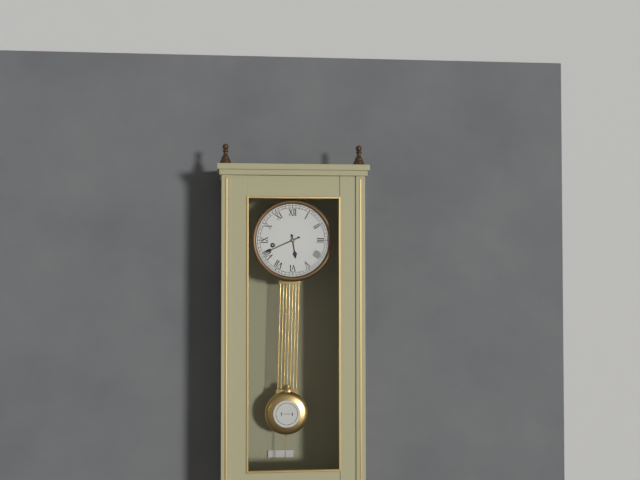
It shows 5.41
